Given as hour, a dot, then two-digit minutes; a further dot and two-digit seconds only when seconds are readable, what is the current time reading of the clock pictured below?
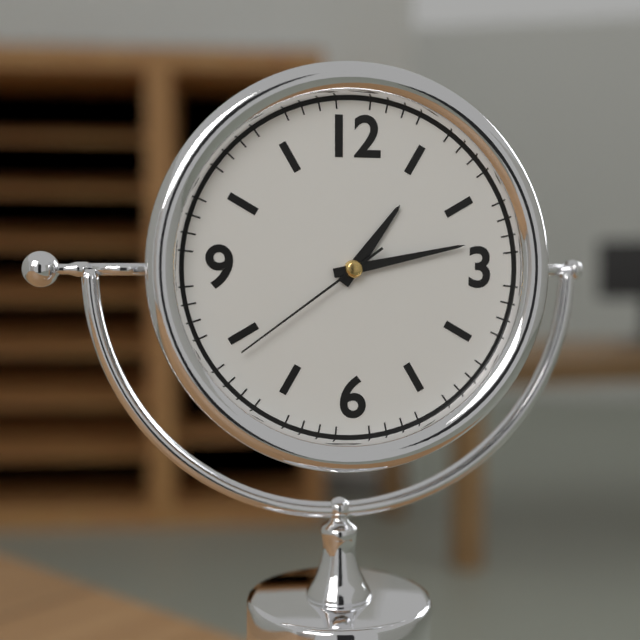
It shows 1.13.39
